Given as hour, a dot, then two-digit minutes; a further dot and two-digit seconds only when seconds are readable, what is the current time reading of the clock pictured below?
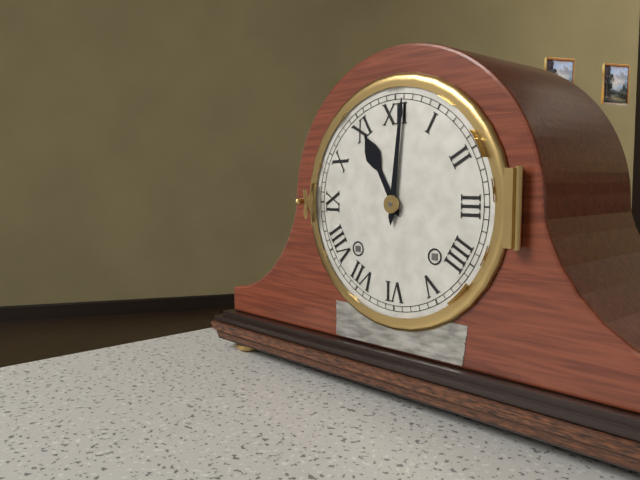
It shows 11.01
